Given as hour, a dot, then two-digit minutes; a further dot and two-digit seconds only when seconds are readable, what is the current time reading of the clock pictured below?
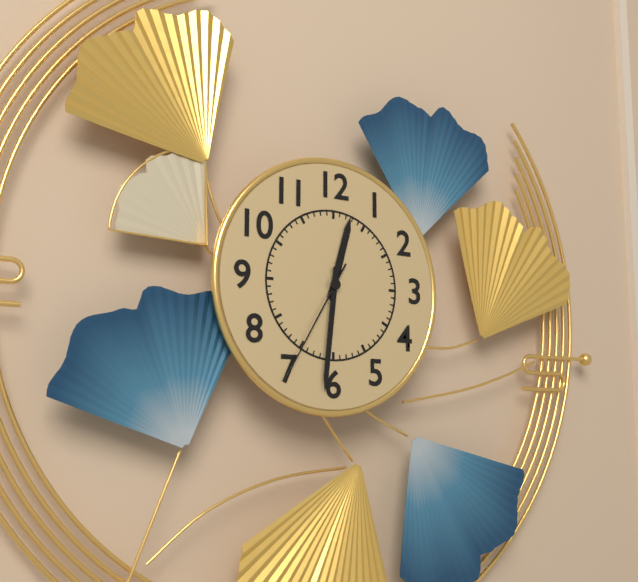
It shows 12.31.35
